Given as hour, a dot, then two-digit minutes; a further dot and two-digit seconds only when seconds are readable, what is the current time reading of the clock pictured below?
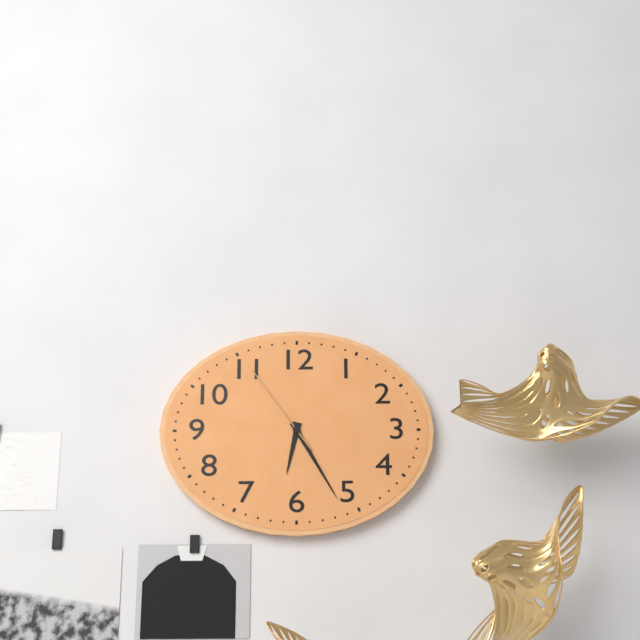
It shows 6.25.54
